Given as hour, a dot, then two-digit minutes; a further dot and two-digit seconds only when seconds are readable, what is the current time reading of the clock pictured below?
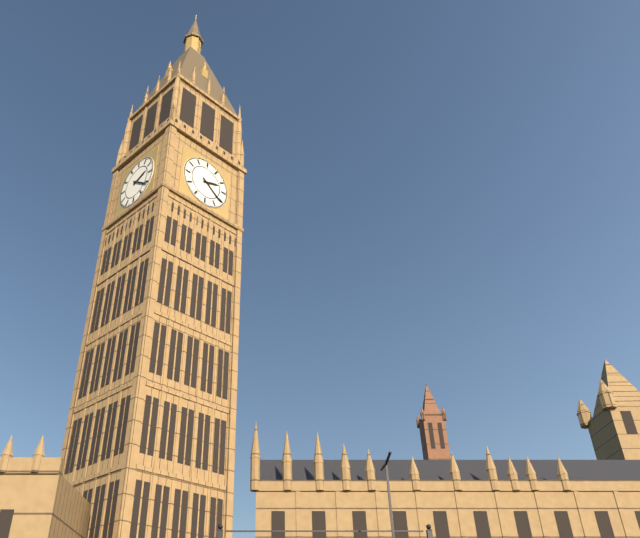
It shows 2.21
